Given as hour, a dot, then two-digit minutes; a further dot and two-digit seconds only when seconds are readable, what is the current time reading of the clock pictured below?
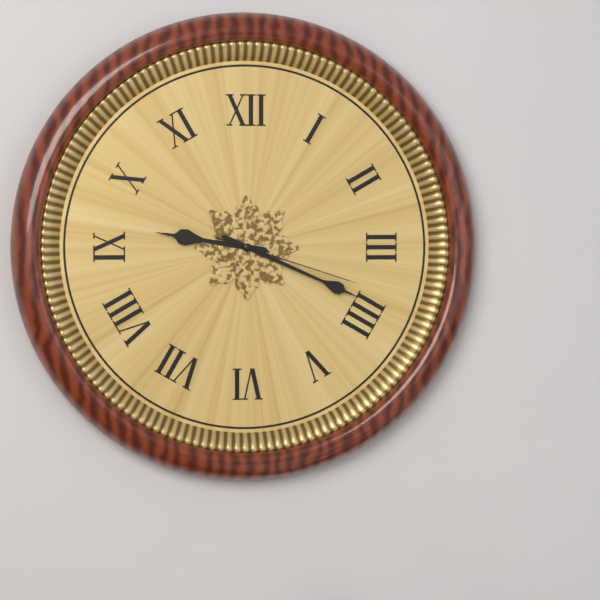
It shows 9.19.18
